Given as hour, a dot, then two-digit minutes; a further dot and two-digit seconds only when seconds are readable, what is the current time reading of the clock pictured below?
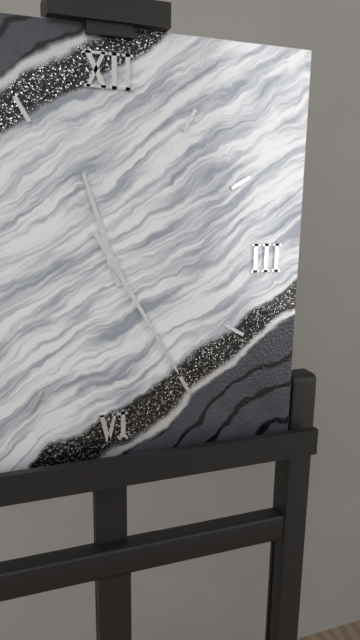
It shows 11.25
